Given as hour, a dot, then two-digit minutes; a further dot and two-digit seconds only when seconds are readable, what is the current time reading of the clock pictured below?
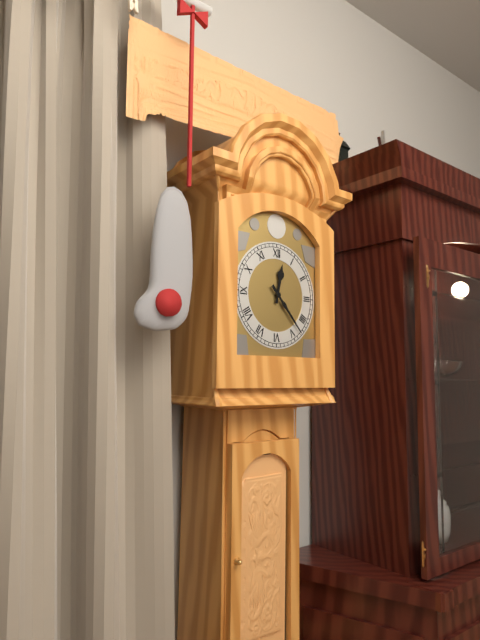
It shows 12.23
